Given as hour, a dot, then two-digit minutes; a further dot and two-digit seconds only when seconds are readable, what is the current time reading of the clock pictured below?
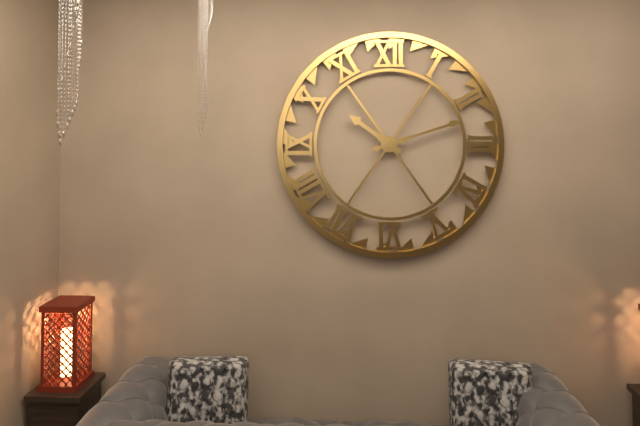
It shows 10.12
